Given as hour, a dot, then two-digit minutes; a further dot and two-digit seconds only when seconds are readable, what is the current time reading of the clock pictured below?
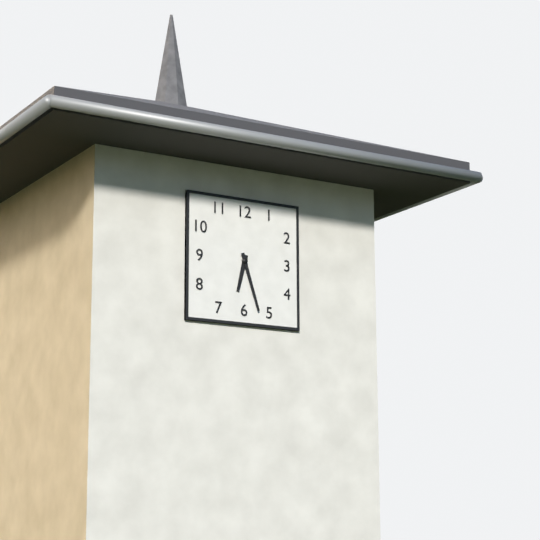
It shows 6.27
